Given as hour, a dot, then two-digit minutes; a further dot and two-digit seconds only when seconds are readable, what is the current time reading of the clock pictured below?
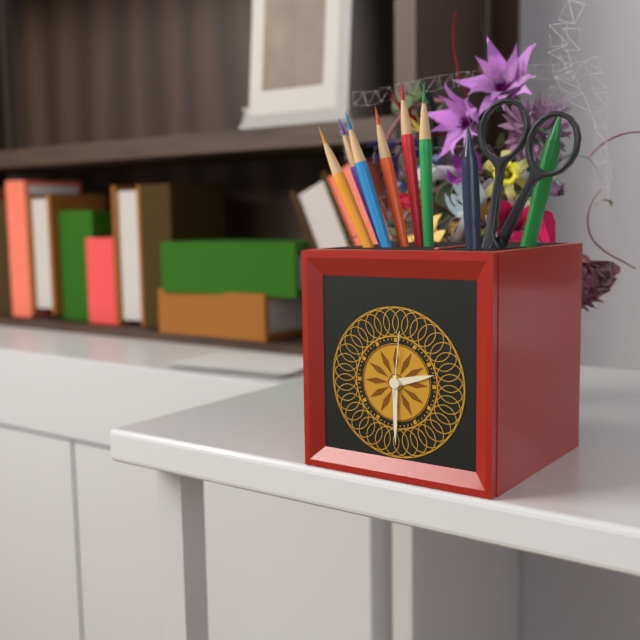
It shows 2.30.01
